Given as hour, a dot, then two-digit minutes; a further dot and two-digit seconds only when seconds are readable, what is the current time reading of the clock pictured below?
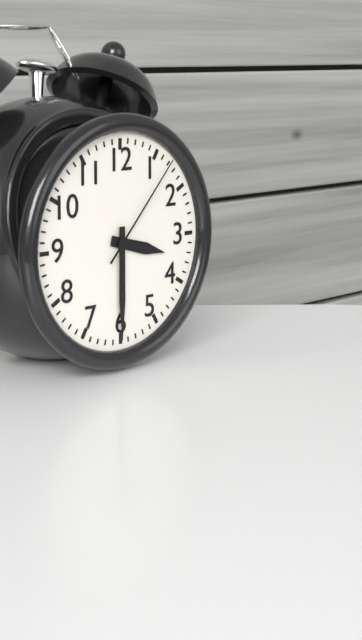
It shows 3.30.07
